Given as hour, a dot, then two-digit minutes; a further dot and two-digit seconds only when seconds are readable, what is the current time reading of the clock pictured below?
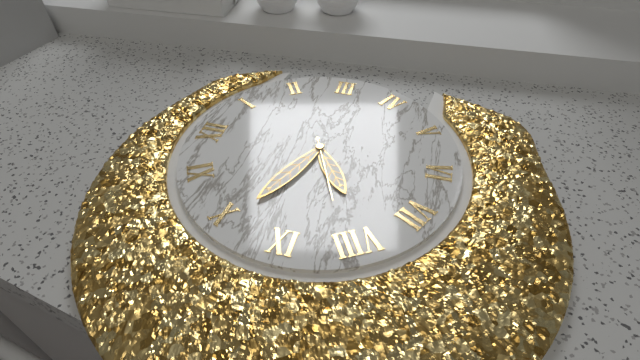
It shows 7.49.41
